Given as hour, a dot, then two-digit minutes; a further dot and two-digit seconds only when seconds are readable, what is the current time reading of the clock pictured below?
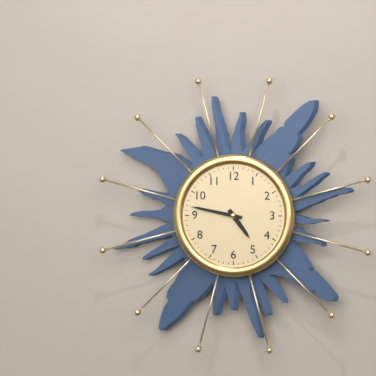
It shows 4.47
